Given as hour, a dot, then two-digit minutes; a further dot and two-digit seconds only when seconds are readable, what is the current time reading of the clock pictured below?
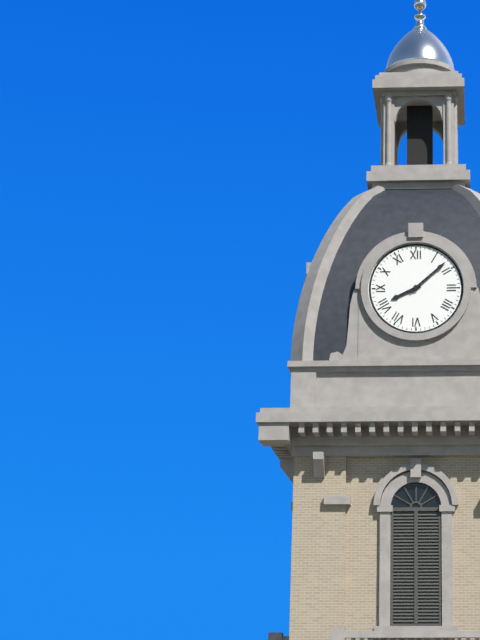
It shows 8.08
